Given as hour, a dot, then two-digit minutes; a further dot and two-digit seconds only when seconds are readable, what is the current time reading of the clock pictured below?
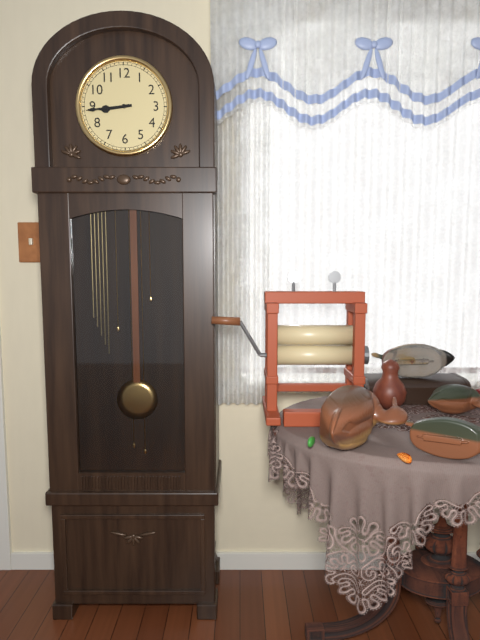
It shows 8.44
